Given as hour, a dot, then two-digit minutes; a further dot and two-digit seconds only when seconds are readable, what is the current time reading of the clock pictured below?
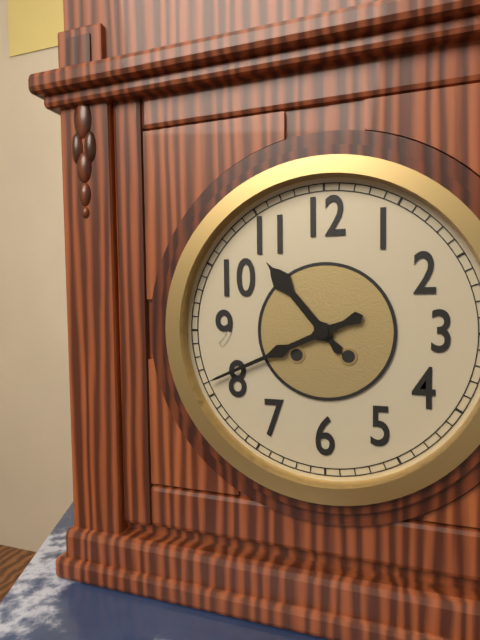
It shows 10.41
